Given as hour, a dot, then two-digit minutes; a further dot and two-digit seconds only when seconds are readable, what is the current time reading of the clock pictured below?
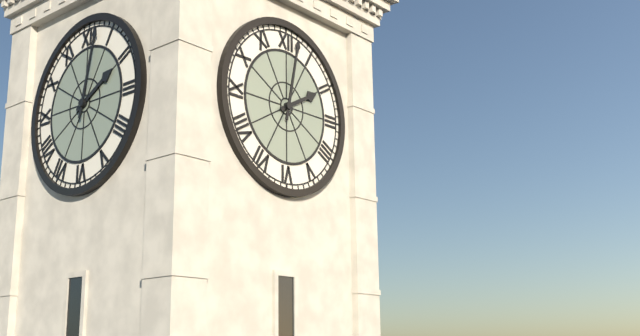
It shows 2.02
